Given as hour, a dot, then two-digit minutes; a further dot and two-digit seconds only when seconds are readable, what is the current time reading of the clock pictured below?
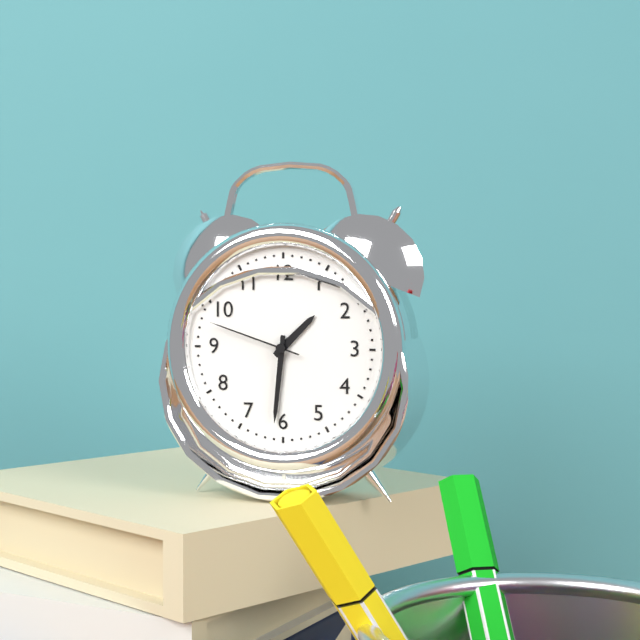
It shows 1.31.48
